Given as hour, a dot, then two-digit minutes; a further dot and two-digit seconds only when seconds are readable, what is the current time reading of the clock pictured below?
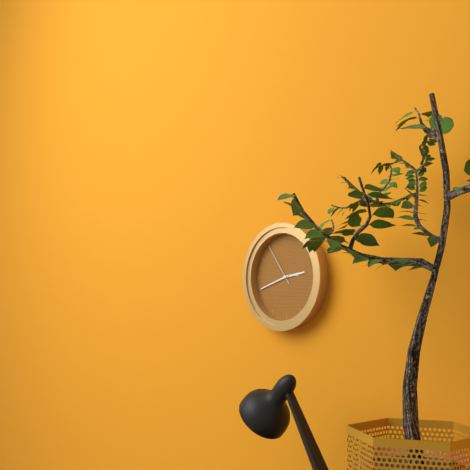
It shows 2.42
